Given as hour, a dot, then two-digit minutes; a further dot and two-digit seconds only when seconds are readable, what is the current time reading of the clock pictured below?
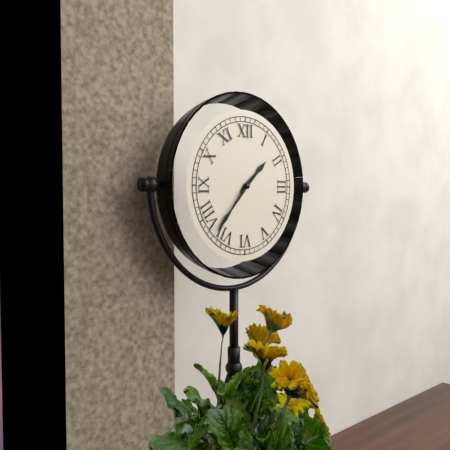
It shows 1.37
